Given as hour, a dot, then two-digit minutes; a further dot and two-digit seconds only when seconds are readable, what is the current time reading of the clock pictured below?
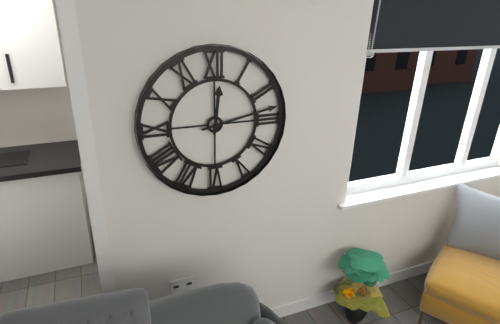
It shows 12.13
